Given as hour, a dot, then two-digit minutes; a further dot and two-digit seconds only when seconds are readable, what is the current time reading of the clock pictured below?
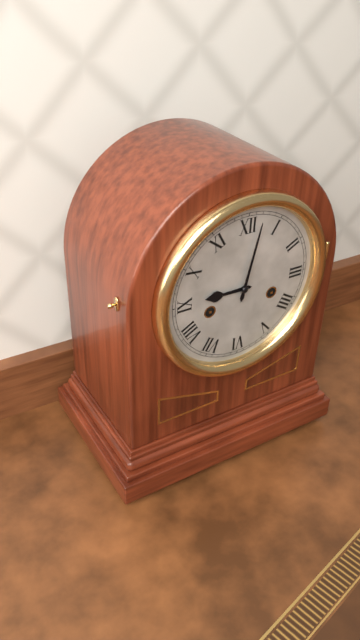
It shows 9.02
